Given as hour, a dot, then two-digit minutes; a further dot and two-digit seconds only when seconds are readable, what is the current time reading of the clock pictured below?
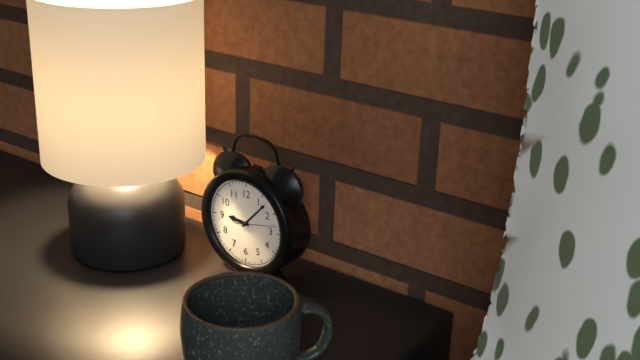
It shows 9.07
